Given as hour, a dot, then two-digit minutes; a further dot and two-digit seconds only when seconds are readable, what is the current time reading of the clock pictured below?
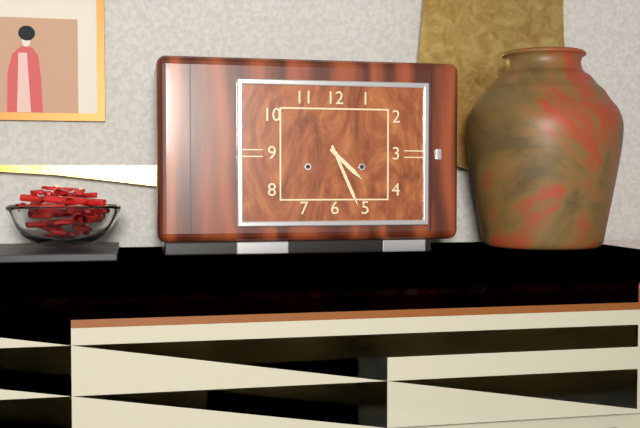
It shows 4.26
